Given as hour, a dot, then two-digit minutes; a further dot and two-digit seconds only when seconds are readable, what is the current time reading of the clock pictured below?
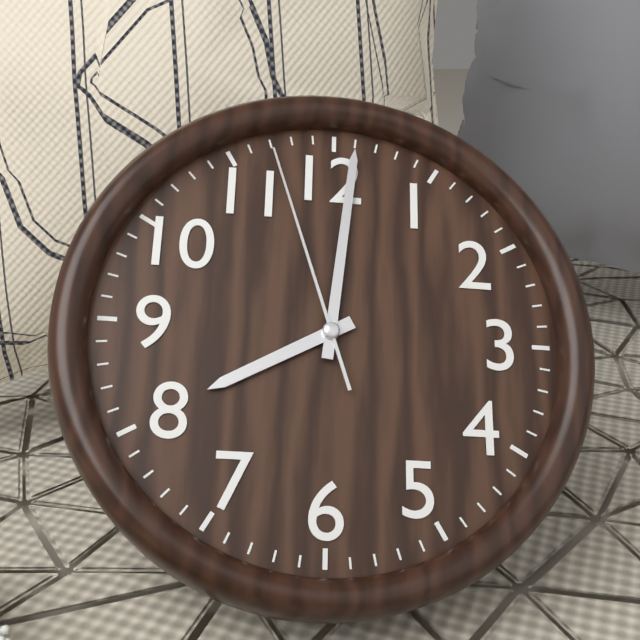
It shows 8.01.57
